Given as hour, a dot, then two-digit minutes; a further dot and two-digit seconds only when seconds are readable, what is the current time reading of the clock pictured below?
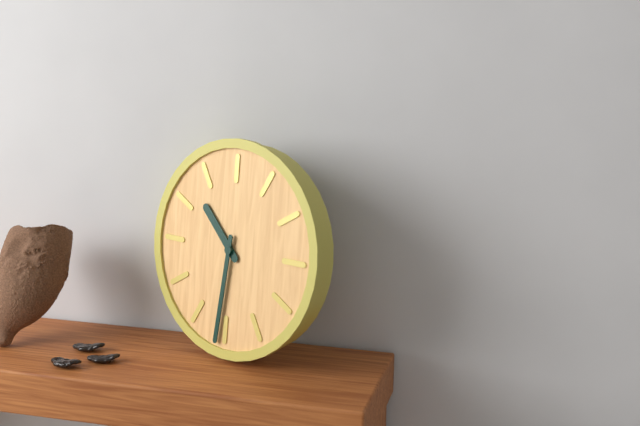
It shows 10.31
